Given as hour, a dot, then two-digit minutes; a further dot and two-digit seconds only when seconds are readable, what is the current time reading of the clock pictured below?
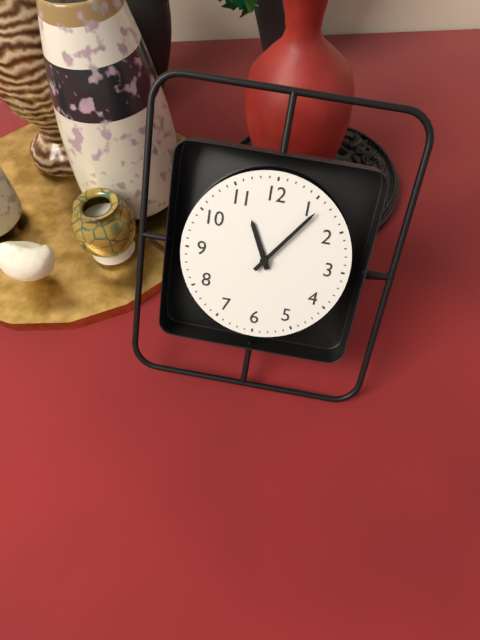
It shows 11.06
